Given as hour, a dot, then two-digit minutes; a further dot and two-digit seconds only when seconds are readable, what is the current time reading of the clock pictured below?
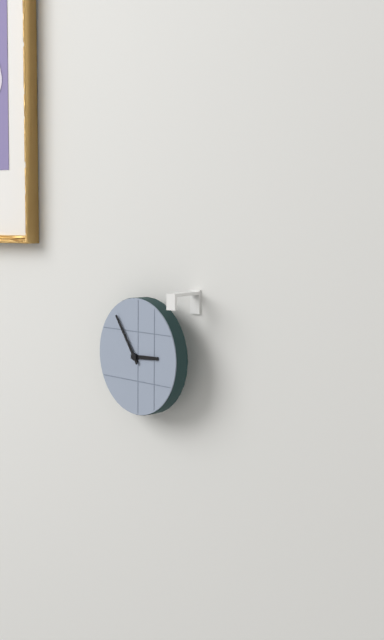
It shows 2.54
